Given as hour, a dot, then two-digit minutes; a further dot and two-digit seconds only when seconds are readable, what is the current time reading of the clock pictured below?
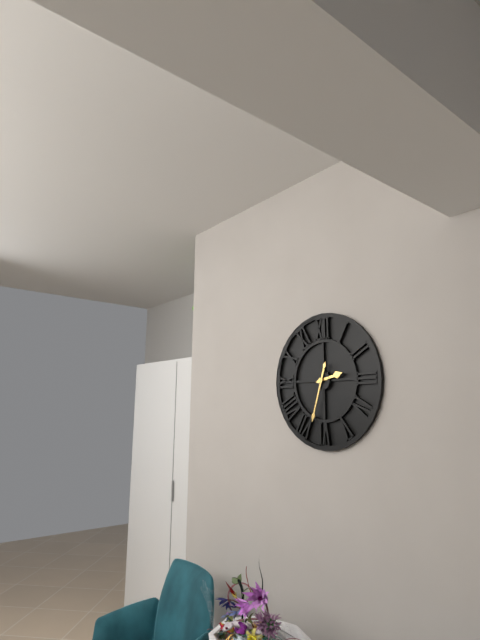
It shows 2.33
